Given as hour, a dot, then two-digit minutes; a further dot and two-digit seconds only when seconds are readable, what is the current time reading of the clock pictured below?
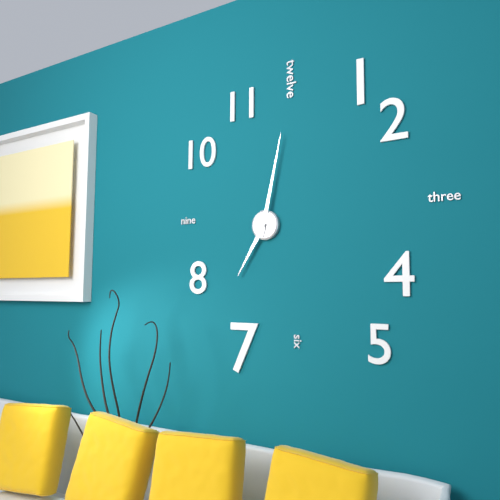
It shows 7.02
